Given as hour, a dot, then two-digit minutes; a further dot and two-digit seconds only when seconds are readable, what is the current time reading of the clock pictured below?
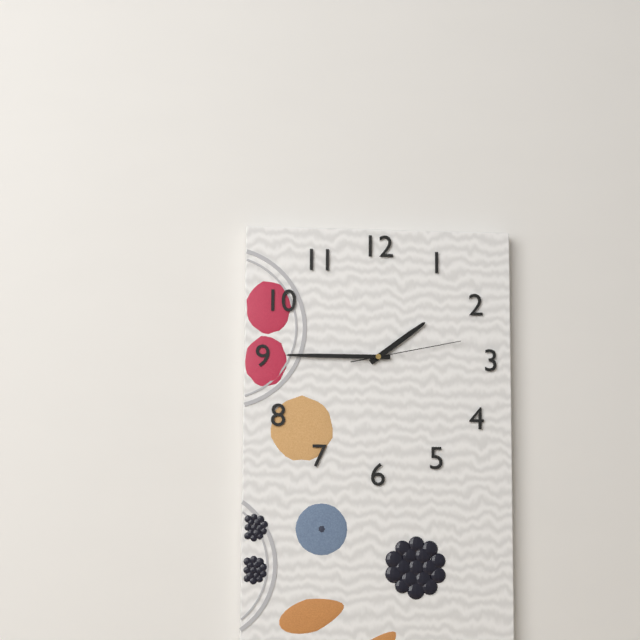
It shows 1.45.13
